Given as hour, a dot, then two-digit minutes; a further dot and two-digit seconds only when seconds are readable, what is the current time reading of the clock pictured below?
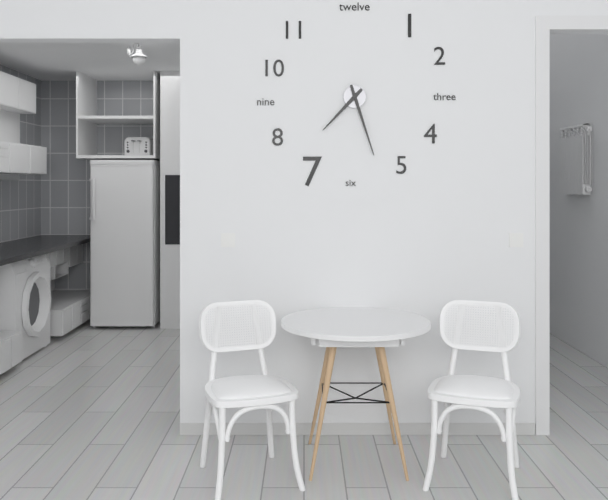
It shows 7.27
